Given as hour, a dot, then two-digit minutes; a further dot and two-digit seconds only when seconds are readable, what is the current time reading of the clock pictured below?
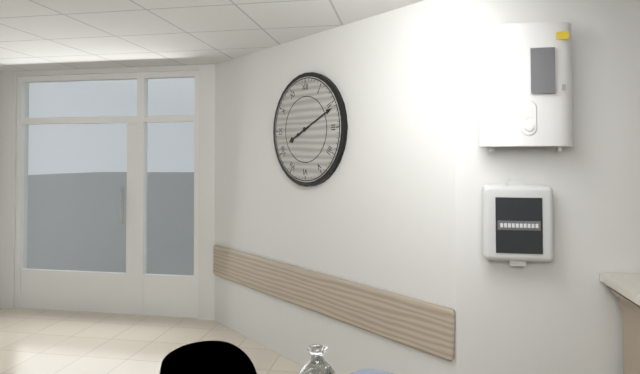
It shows 8.11
